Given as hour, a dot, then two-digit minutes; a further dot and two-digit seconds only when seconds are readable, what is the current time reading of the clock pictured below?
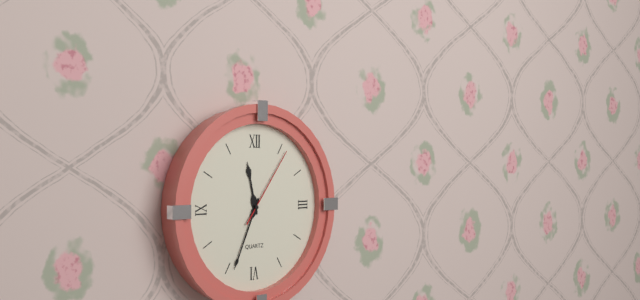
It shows 11.34.06
